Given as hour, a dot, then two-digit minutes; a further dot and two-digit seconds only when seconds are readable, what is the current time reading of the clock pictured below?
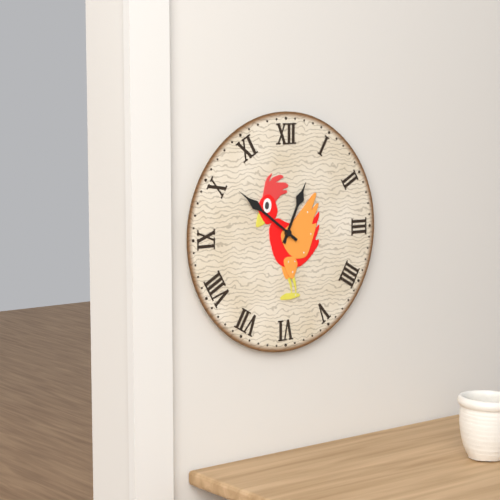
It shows 12.51
